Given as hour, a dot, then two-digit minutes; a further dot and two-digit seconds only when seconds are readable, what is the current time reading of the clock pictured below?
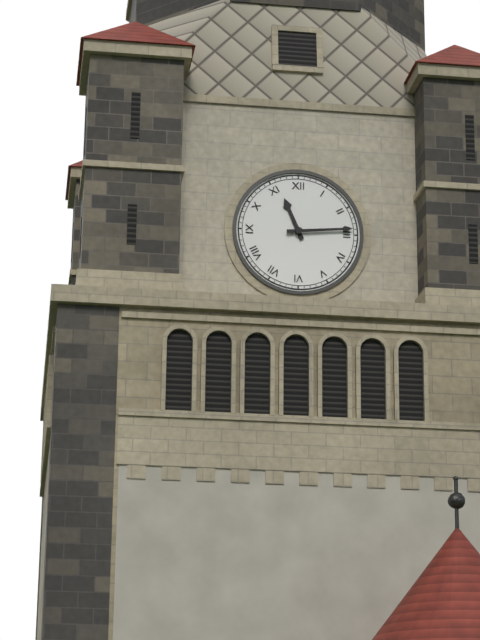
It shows 11.14
